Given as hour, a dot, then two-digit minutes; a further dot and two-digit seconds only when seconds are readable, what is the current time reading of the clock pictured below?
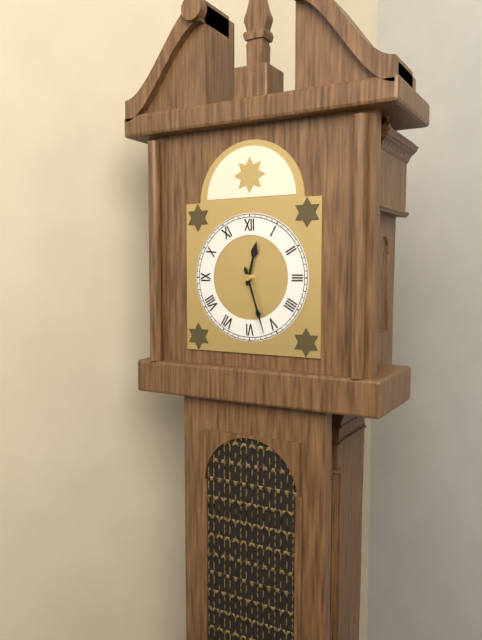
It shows 12.27
